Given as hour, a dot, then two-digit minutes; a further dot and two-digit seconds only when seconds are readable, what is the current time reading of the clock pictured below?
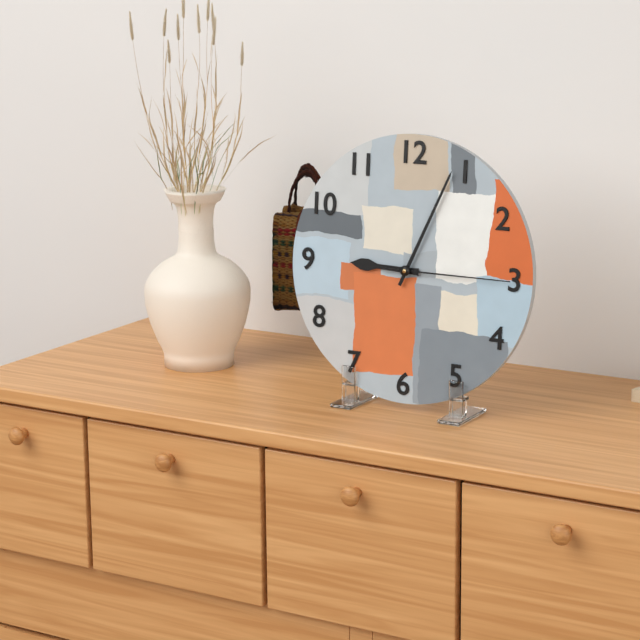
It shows 9.04.15
